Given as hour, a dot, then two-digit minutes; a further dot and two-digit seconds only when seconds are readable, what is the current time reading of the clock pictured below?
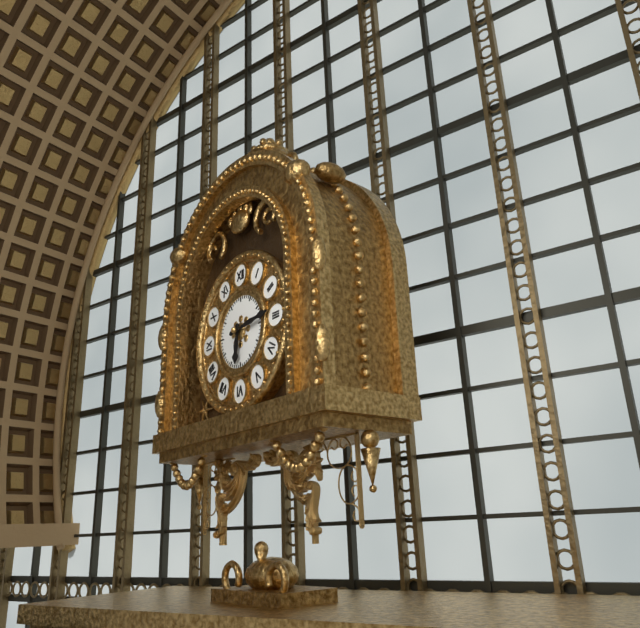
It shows 6.14
